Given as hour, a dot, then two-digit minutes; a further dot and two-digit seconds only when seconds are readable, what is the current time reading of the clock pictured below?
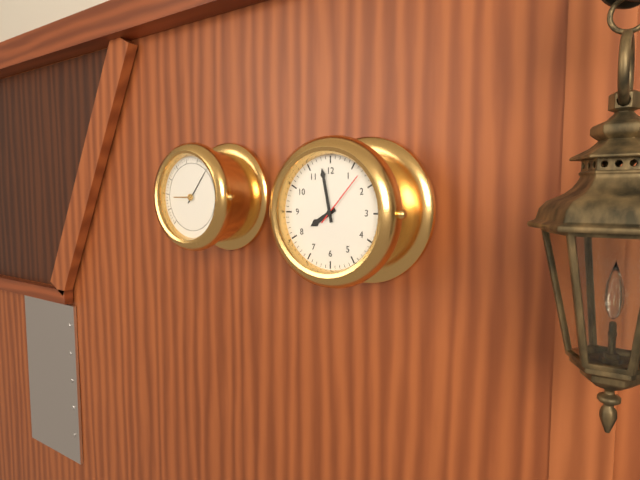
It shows 7.58.07
